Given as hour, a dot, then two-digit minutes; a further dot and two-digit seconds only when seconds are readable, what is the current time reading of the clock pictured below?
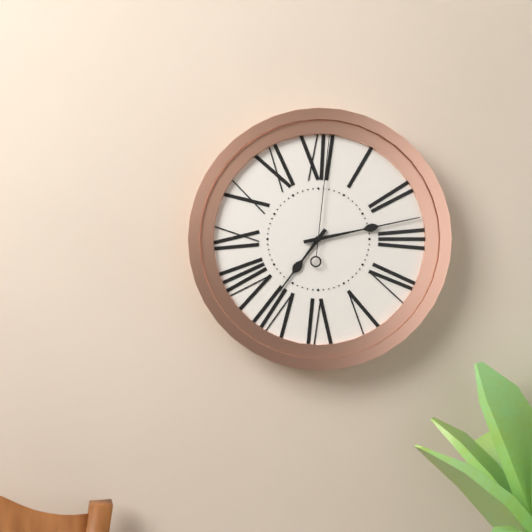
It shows 7.13.01
